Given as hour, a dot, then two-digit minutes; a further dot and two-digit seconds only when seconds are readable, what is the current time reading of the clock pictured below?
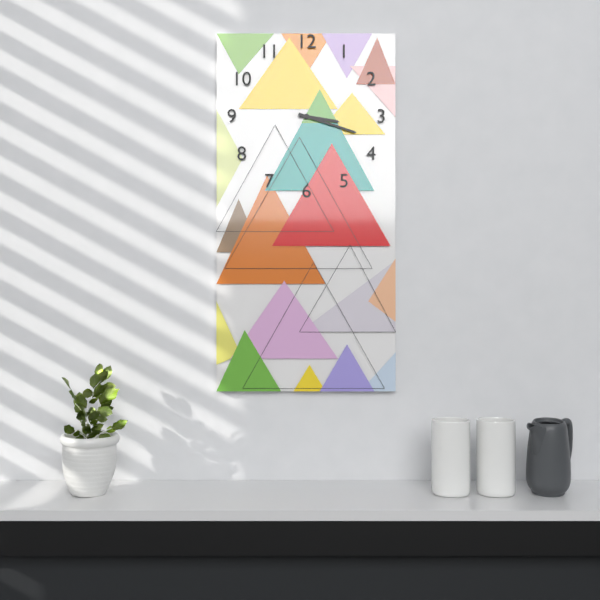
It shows 3.18
